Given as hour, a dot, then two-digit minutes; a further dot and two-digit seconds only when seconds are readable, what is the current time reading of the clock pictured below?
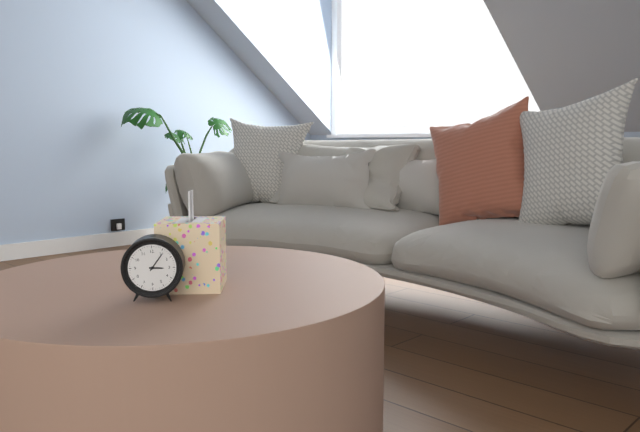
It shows 3.06
